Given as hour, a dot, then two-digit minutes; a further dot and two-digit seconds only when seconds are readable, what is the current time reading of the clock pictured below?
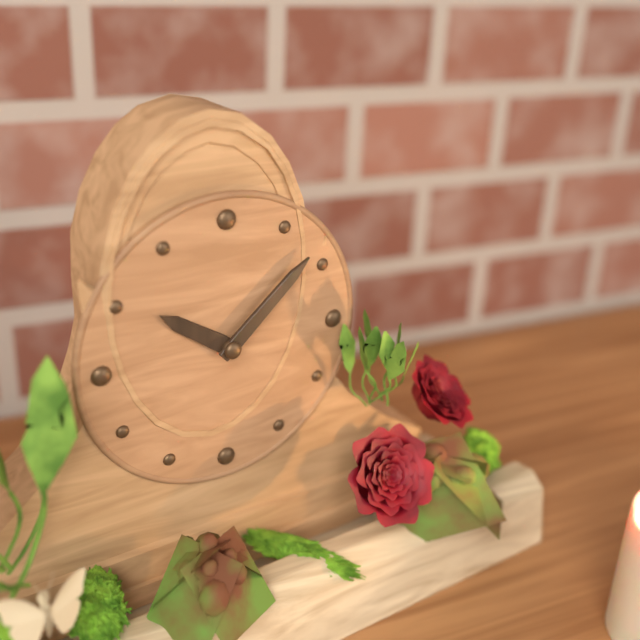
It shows 10.08
